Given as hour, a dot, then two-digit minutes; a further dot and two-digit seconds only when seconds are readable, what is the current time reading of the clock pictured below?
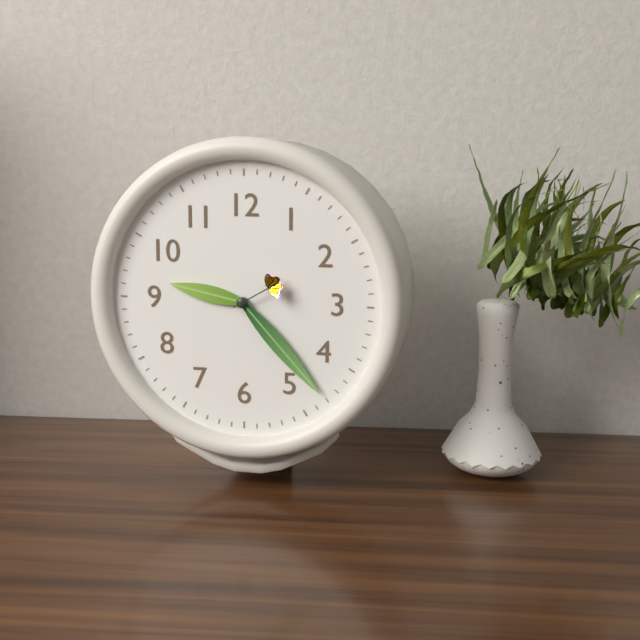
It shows 9.23.10
